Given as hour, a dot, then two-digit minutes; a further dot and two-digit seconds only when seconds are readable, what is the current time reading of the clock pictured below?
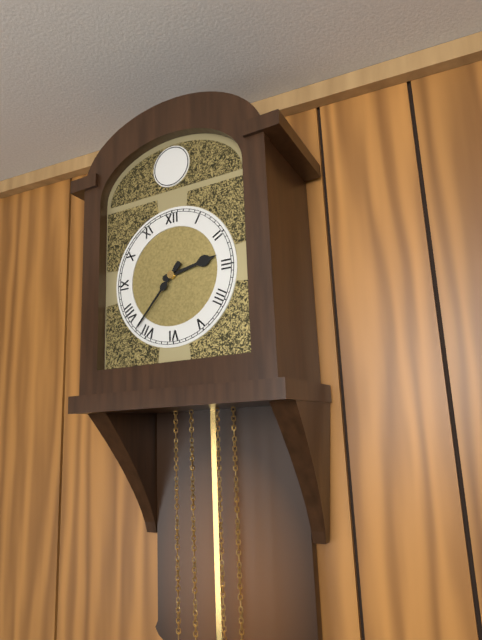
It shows 2.37
